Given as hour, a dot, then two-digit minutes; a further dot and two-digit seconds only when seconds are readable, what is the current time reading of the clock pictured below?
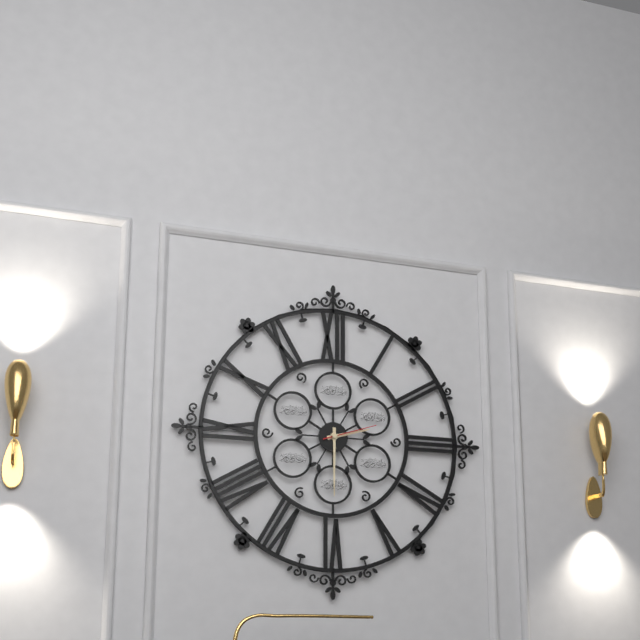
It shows 2.30.12
